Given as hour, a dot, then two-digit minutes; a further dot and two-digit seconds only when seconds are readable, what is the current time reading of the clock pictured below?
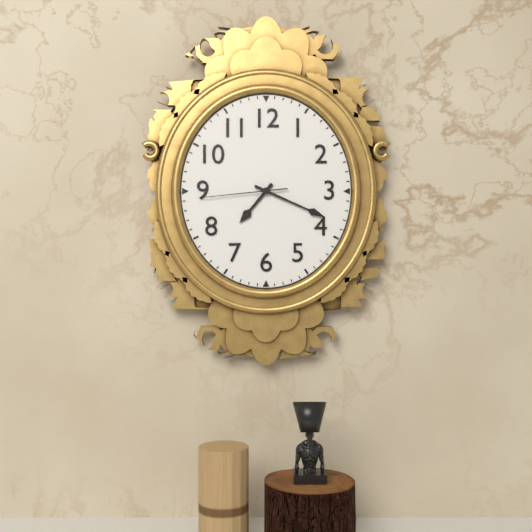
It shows 7.19.44
